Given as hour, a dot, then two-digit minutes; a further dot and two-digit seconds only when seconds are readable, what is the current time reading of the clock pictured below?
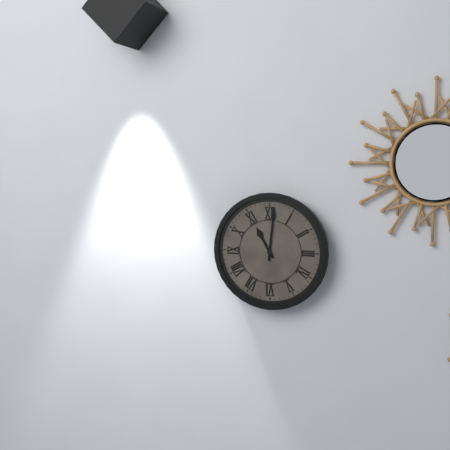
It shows 11.01
